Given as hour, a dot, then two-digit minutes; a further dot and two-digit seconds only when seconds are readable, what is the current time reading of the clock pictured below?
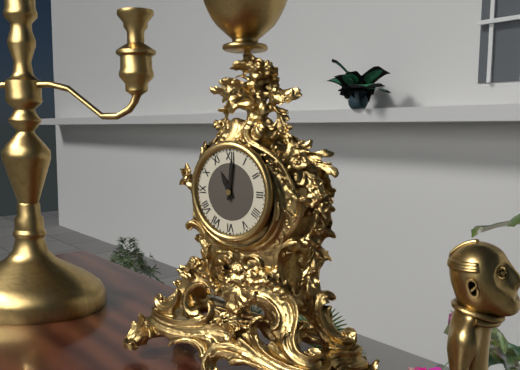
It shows 11.01
